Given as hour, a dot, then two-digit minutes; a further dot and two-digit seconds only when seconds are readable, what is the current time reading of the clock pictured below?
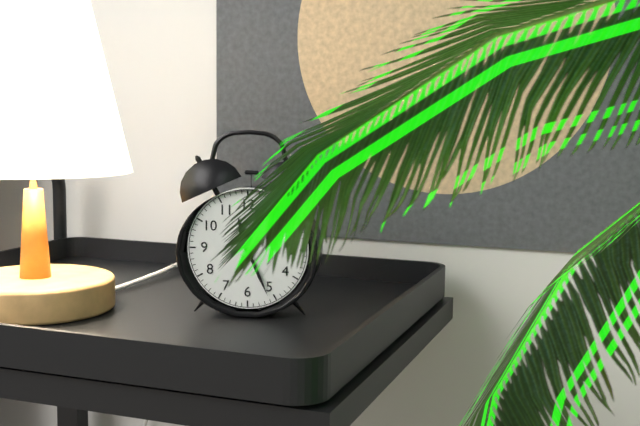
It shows 11.26
